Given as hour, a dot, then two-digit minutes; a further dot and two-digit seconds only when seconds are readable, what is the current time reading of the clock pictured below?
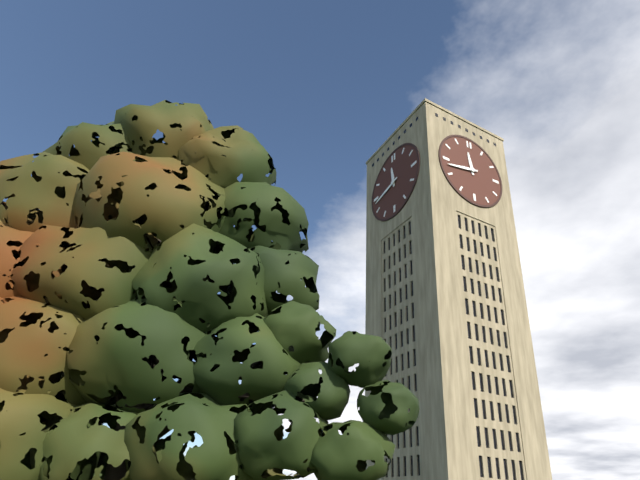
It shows 11.43
